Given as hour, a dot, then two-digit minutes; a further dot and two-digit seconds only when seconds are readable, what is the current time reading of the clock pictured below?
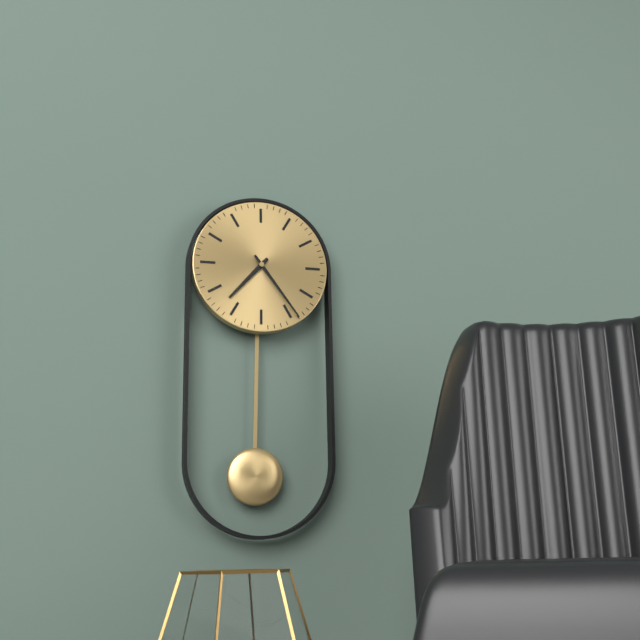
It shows 7.24
